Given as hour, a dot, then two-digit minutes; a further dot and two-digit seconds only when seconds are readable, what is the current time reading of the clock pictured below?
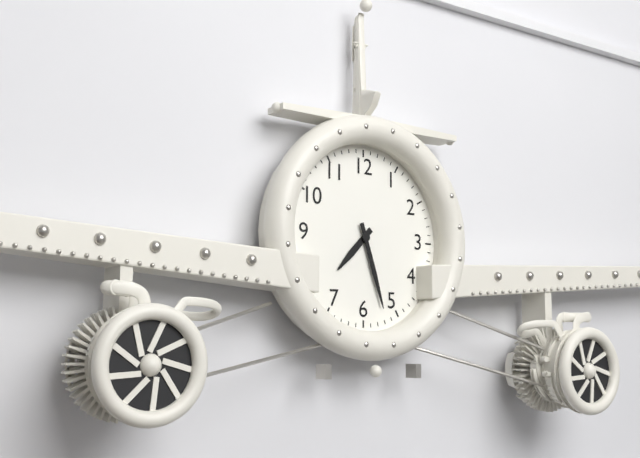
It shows 7.27
